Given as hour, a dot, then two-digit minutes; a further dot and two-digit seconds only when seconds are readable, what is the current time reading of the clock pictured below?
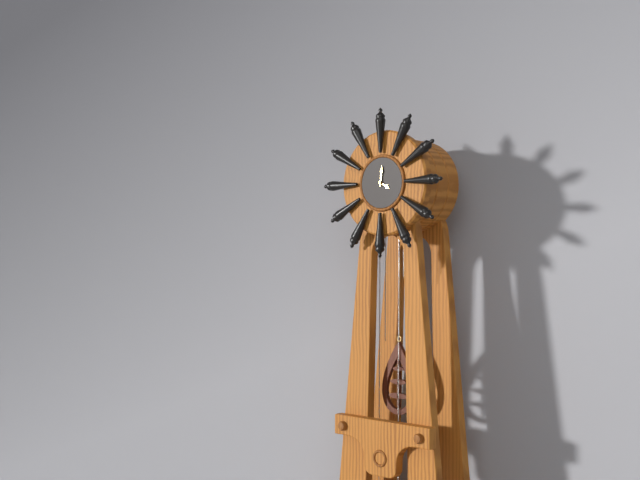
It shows 4.01
